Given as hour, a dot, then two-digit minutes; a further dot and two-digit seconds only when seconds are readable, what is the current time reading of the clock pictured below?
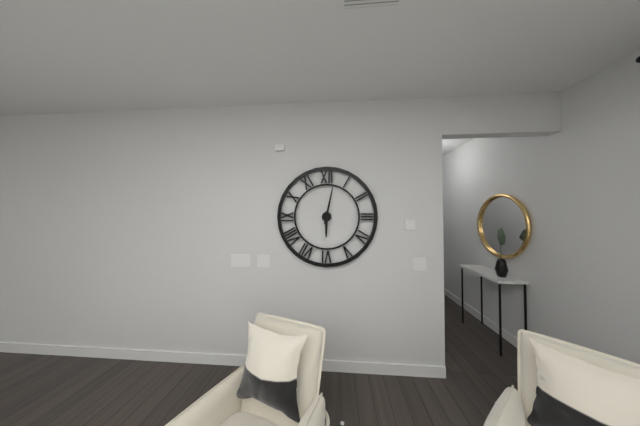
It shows 6.02
